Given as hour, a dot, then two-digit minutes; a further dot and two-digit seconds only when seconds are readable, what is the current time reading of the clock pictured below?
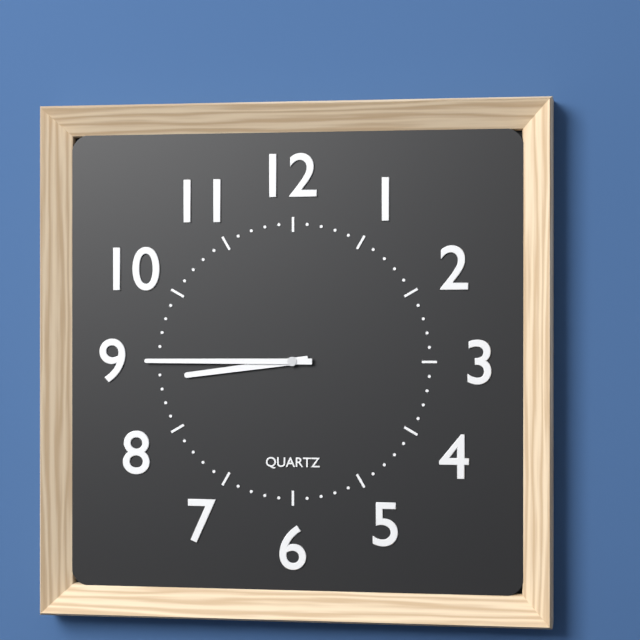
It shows 8.45
